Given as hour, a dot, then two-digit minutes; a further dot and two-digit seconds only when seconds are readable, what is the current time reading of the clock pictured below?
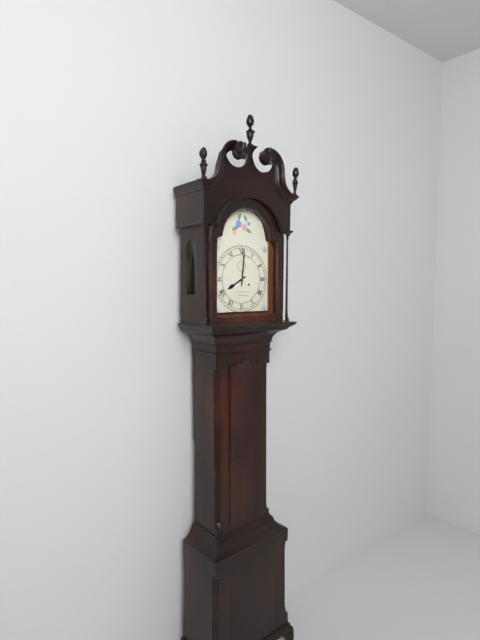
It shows 8.01
